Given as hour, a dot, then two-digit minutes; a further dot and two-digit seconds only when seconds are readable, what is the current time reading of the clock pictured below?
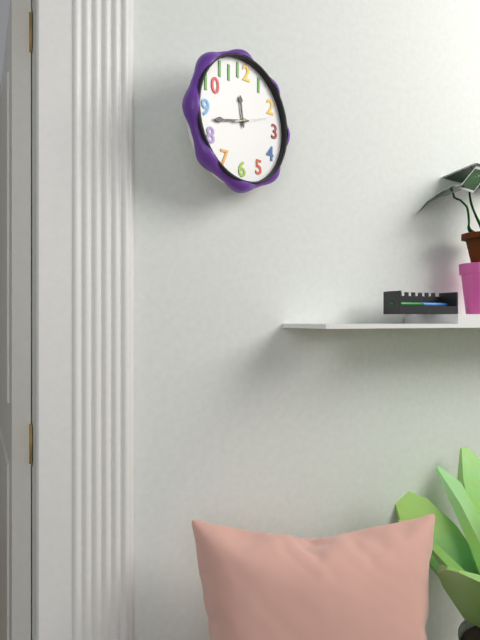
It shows 11.43
